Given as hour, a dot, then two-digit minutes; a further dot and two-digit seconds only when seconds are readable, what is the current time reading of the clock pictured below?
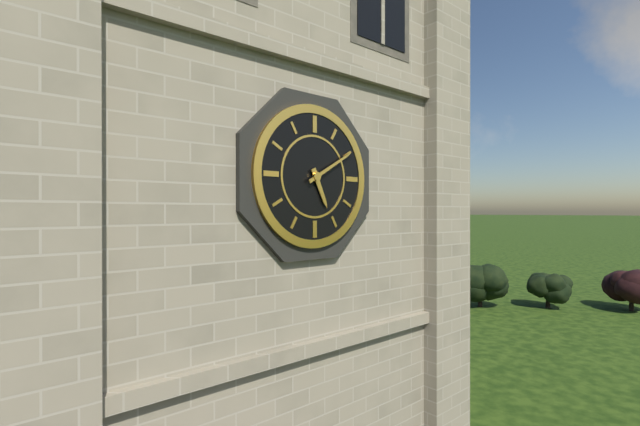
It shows 5.10
